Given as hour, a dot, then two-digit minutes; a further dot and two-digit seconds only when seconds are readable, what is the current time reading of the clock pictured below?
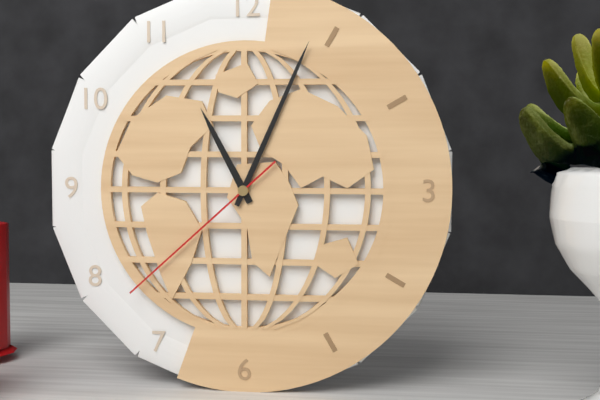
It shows 11.04.38
